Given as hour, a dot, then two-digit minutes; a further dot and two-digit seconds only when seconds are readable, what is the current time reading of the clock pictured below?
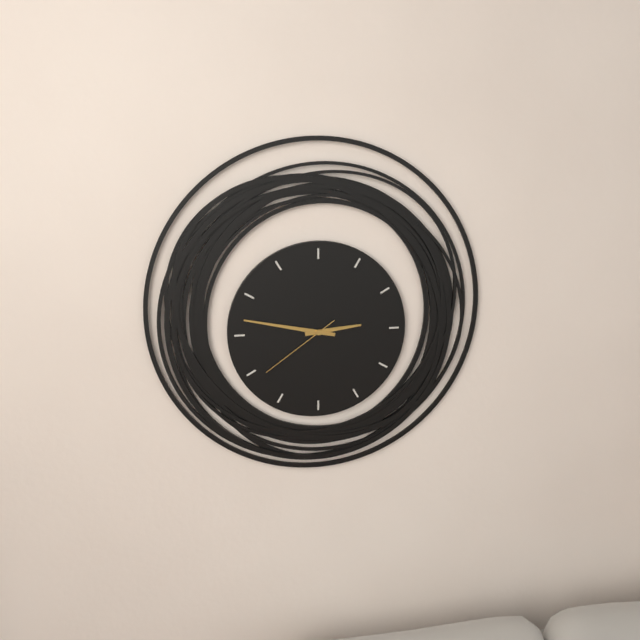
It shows 2.47.39
